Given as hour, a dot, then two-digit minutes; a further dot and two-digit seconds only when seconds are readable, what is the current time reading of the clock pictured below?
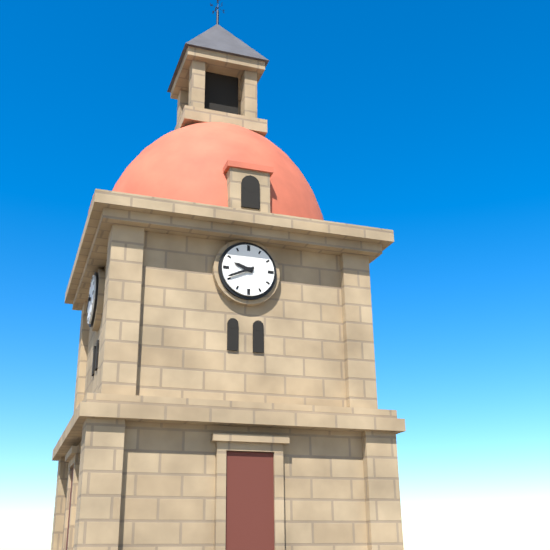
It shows 9.41
